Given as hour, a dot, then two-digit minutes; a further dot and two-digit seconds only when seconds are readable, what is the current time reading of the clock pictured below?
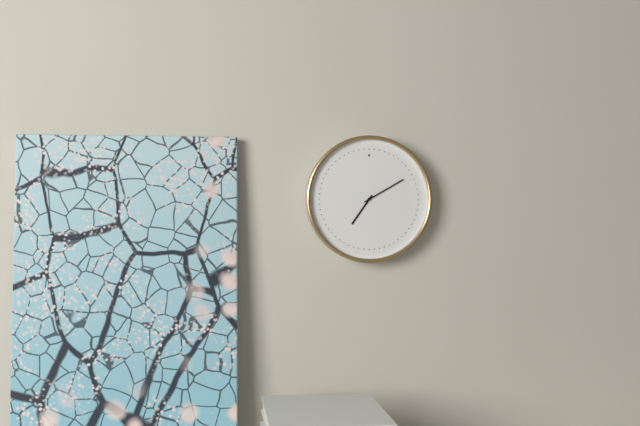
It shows 7.10
